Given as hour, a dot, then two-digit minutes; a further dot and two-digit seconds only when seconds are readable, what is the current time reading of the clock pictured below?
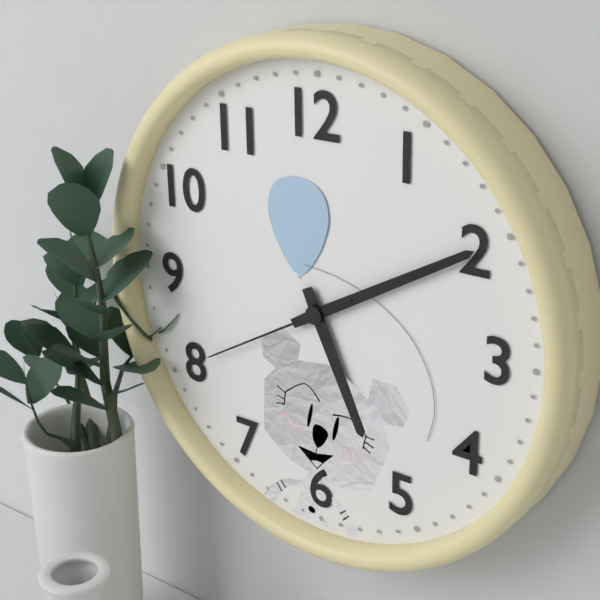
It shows 5.10.40
